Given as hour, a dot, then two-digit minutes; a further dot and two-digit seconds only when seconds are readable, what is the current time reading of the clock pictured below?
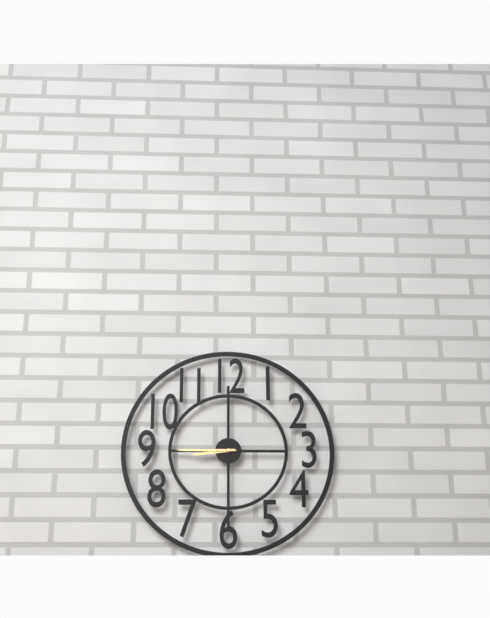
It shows 8.45
